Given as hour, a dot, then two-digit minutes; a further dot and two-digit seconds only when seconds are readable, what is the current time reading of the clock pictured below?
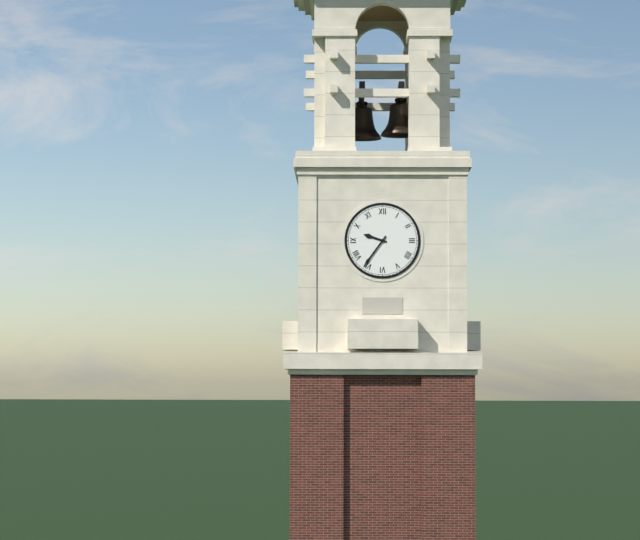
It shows 9.36
